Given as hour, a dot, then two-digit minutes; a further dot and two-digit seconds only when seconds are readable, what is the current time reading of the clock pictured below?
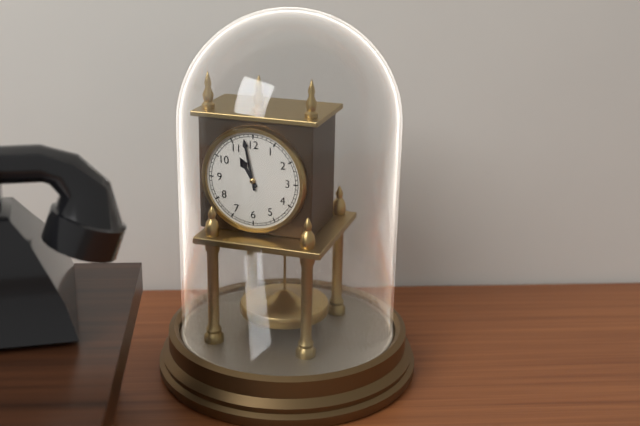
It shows 10.58
